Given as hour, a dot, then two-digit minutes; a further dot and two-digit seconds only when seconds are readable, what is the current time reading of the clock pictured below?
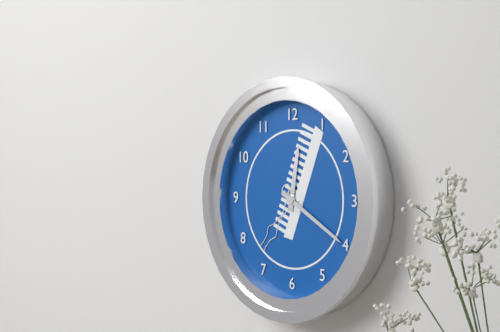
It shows 12.20
